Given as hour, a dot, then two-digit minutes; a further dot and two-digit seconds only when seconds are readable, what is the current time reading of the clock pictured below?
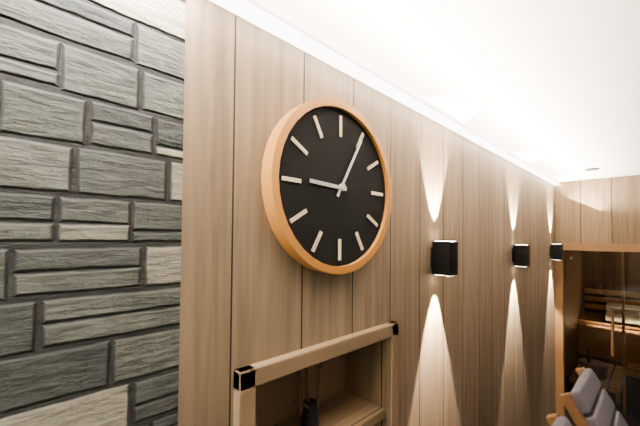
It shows 9.05
